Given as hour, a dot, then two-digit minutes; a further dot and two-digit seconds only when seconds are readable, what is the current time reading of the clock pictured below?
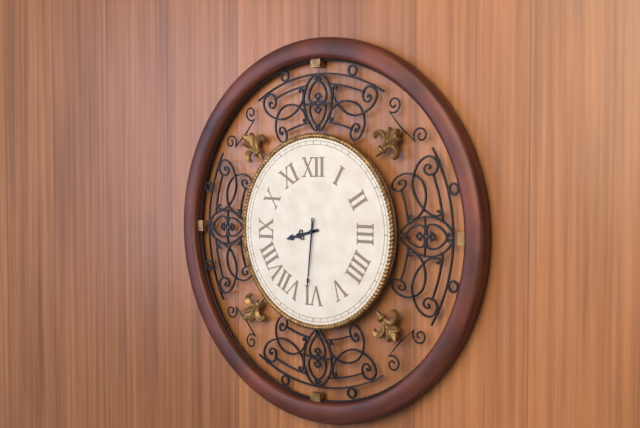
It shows 8.31
